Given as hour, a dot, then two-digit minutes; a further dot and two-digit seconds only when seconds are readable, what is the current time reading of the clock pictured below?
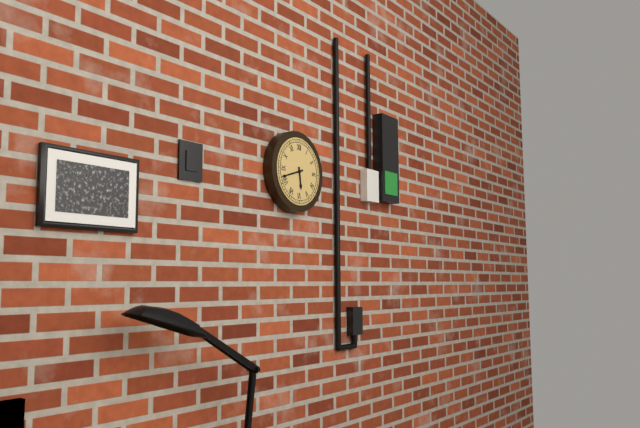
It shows 5.42
